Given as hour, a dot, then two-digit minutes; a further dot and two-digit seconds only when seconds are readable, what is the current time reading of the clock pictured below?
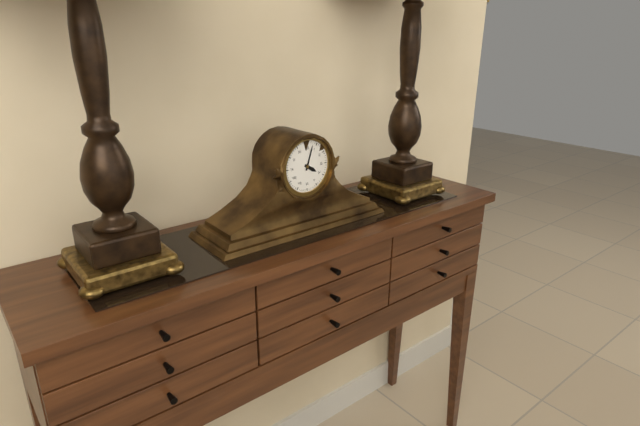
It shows 4.03
